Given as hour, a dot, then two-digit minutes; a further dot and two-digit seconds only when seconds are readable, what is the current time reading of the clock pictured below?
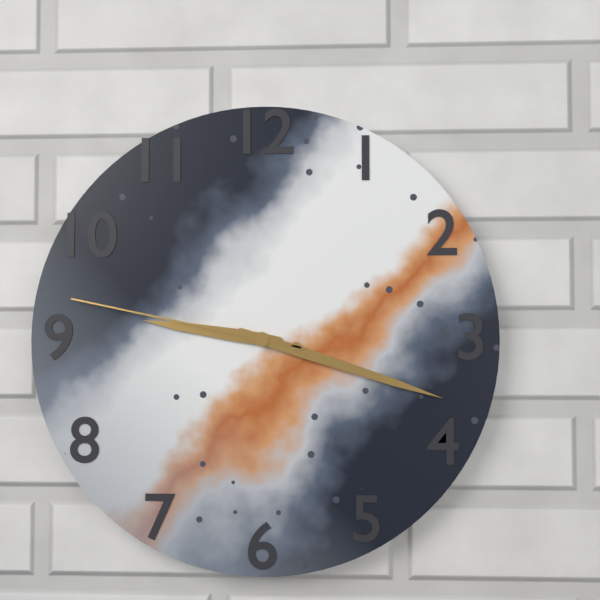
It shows 9.18.47
